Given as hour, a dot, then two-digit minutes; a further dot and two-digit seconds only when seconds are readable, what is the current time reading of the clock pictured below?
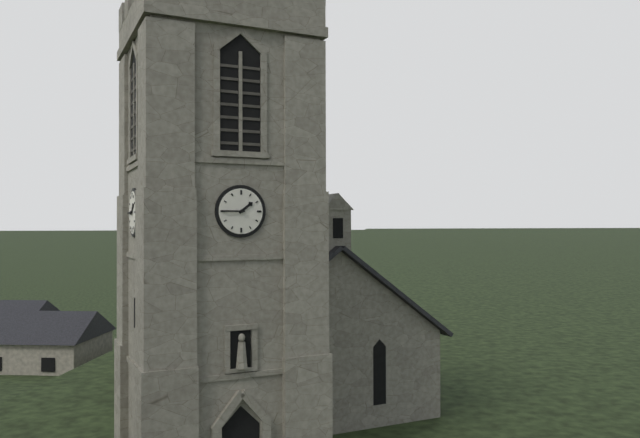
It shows 1.45
